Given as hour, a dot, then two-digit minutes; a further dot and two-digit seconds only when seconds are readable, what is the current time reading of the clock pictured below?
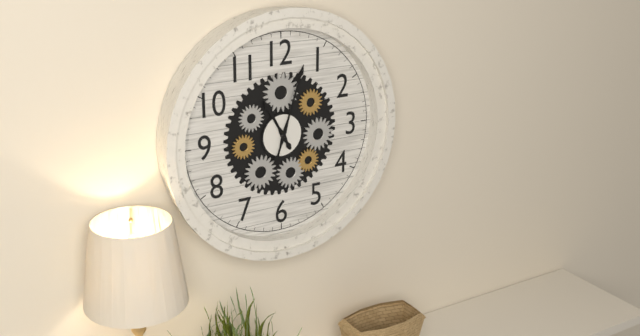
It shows 11.03
